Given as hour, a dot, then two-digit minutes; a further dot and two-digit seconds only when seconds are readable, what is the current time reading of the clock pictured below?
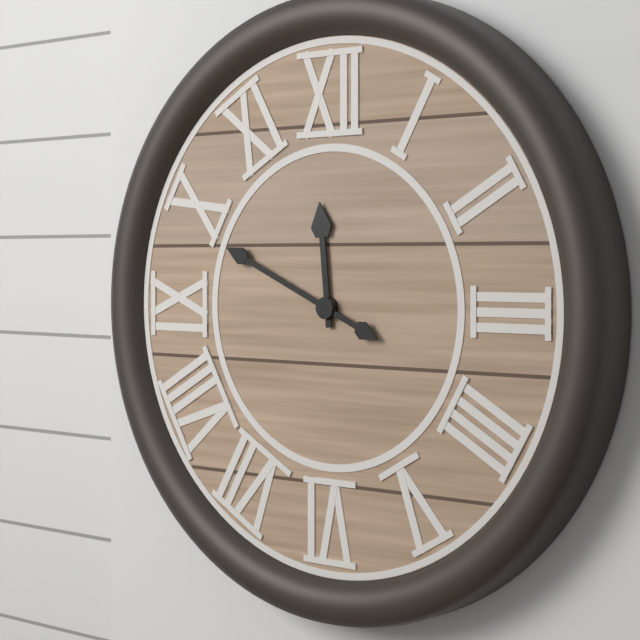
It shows 11.49
